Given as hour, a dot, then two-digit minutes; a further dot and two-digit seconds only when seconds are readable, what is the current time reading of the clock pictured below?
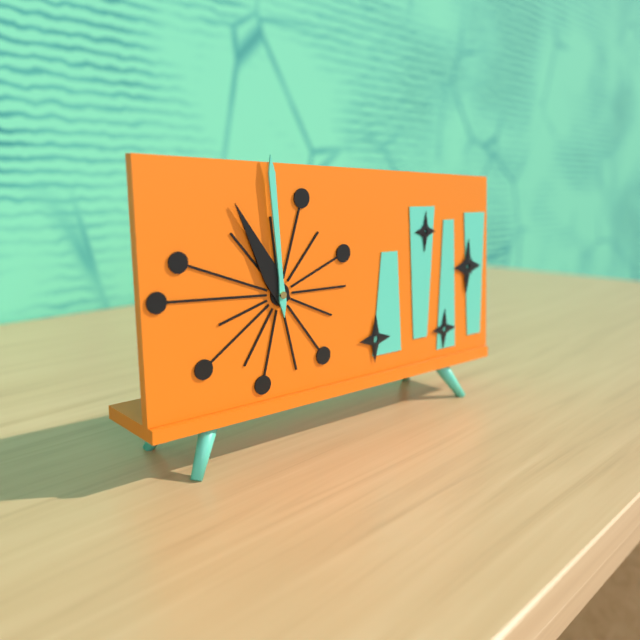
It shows 10.59
